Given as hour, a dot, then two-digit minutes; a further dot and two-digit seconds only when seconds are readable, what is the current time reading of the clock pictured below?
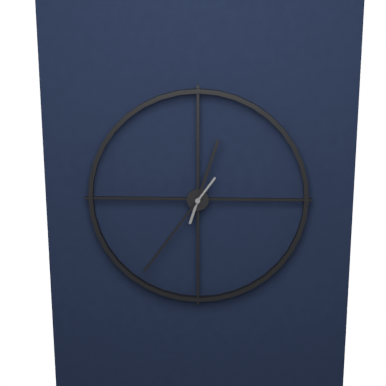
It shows 12.36
